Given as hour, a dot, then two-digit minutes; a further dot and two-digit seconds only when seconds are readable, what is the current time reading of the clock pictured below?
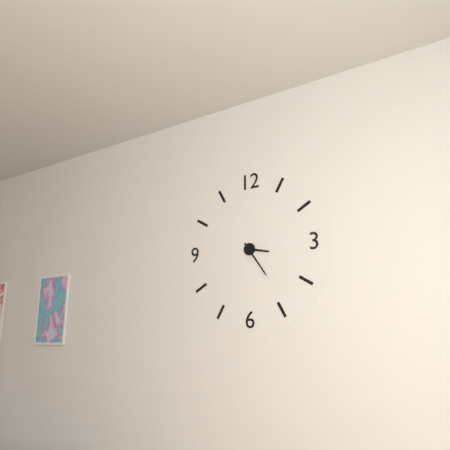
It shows 3.24
